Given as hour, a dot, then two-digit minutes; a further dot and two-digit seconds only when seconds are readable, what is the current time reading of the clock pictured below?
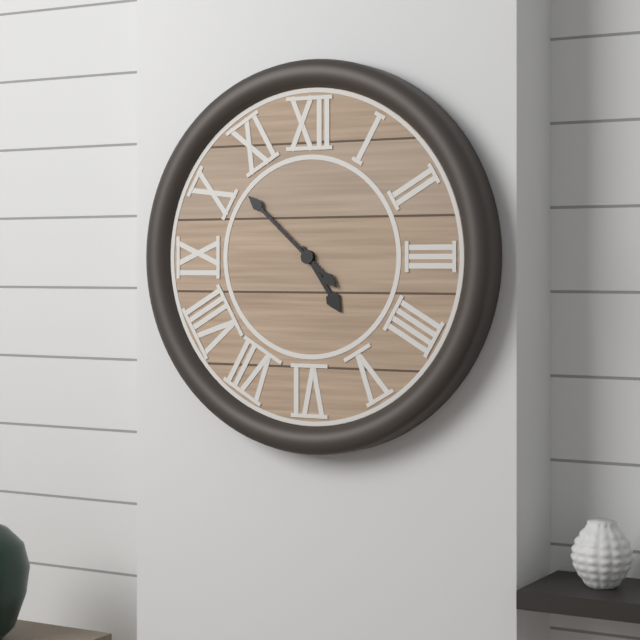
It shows 4.52
